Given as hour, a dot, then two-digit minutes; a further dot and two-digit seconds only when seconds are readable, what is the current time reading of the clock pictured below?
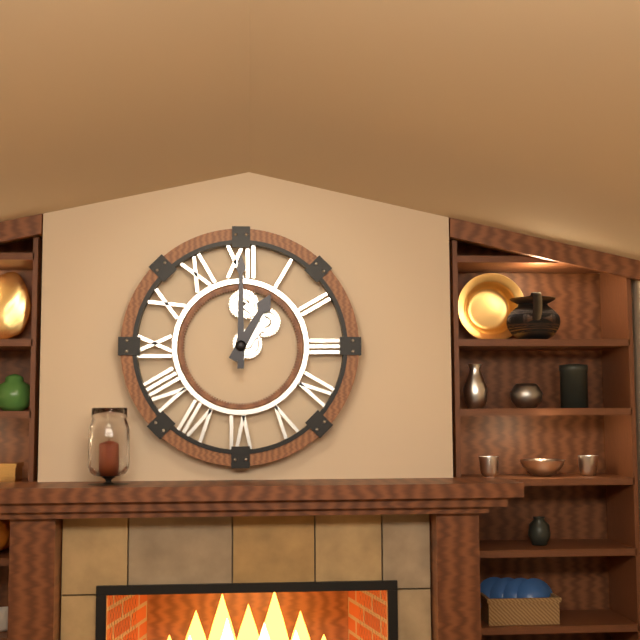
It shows 1.00
